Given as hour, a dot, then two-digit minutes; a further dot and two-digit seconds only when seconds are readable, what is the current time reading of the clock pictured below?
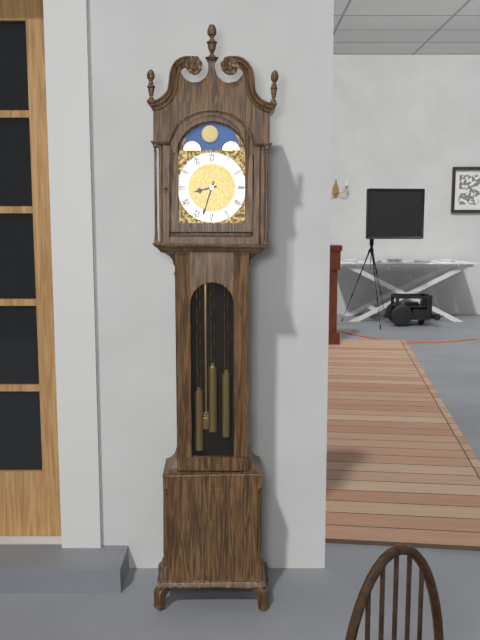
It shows 8.33
